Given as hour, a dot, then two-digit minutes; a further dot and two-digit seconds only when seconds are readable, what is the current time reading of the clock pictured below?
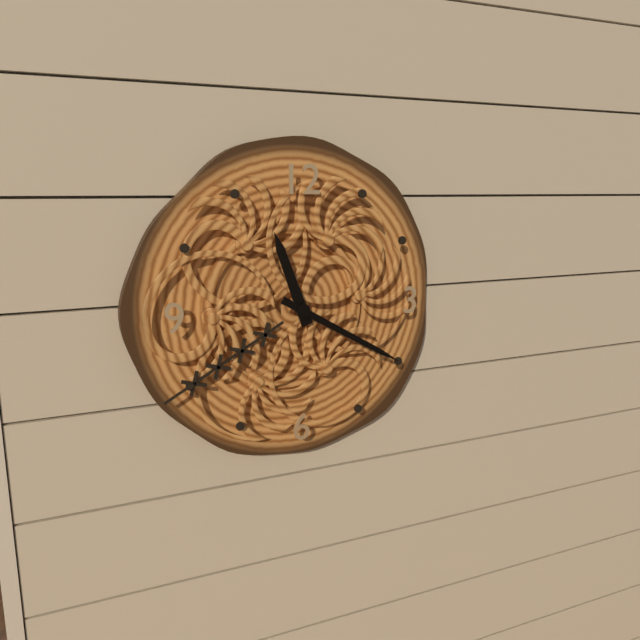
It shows 11.20
